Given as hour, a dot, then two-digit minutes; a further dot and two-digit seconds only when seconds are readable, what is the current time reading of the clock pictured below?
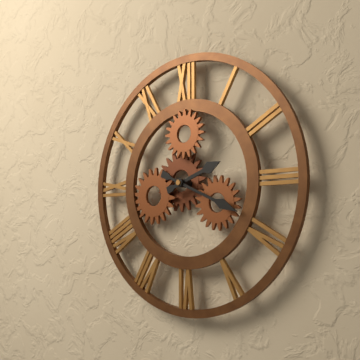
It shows 2.19
